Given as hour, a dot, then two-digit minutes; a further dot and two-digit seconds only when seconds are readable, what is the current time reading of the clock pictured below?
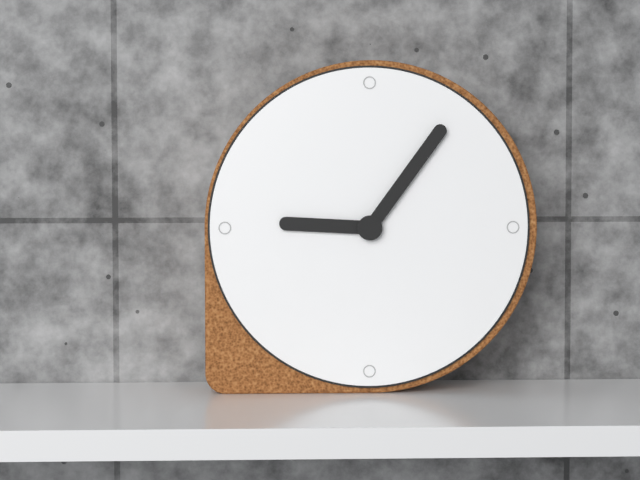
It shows 9.06
